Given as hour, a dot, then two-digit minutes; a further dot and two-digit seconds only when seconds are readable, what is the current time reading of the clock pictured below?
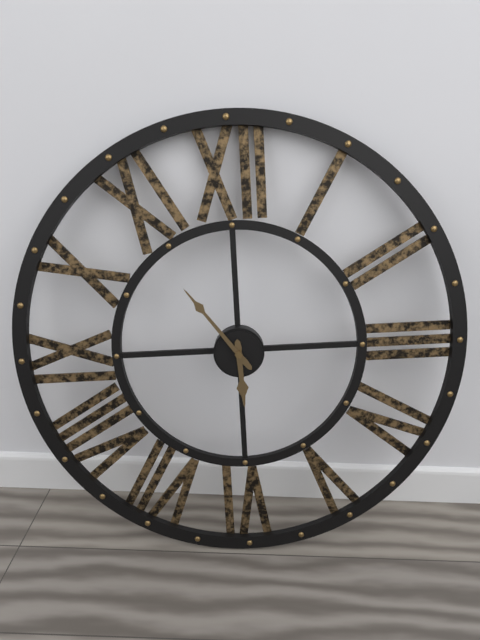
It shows 5.54
